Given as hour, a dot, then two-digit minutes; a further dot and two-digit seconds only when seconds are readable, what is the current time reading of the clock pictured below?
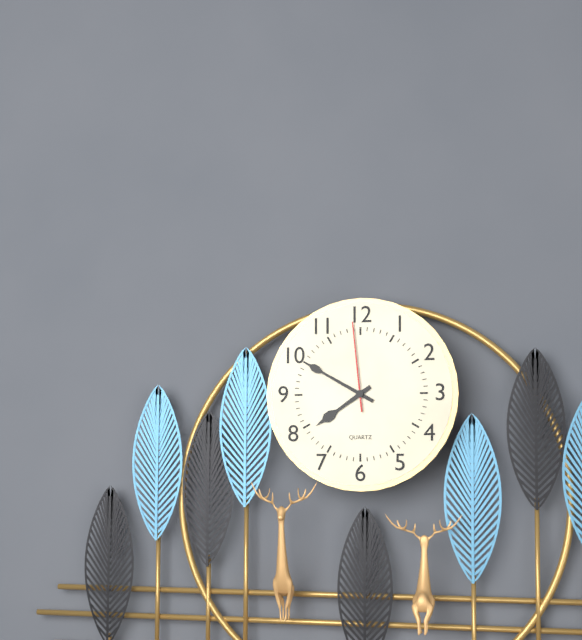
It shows 7.50.59
